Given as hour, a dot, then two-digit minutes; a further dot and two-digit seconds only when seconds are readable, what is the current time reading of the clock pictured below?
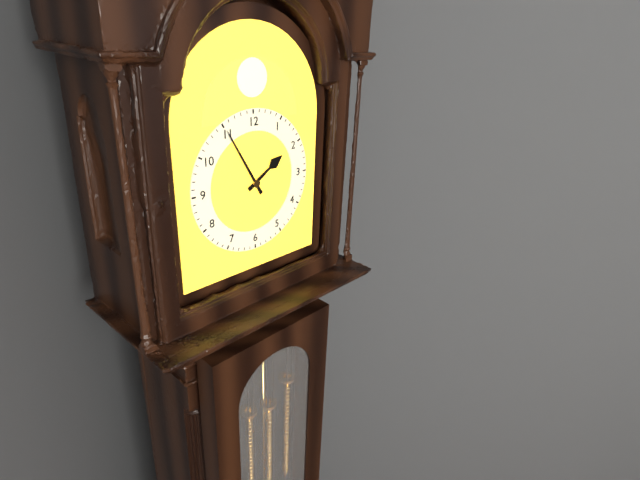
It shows 1.55
